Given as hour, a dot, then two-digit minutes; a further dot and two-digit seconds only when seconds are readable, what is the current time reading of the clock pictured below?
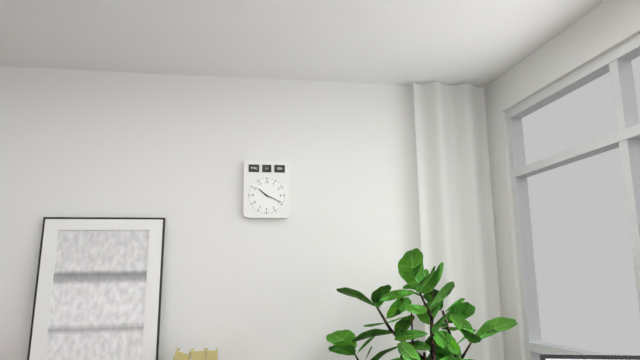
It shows 10.19
